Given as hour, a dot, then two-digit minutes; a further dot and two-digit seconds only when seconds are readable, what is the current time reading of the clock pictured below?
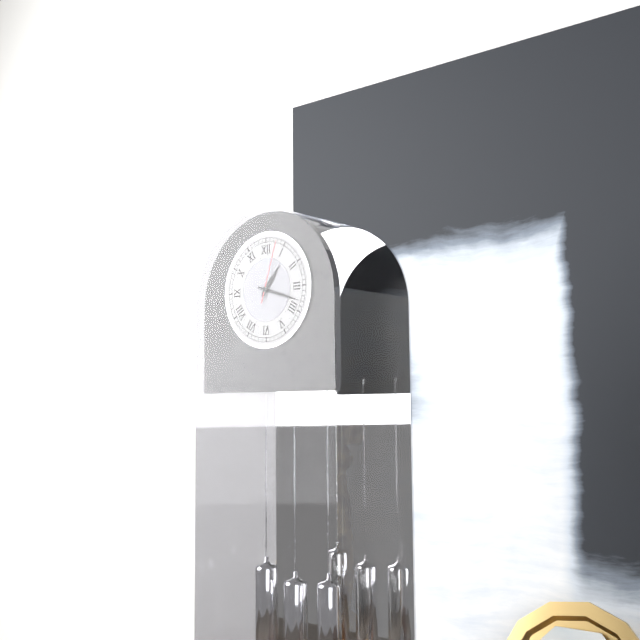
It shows 1.18.03
